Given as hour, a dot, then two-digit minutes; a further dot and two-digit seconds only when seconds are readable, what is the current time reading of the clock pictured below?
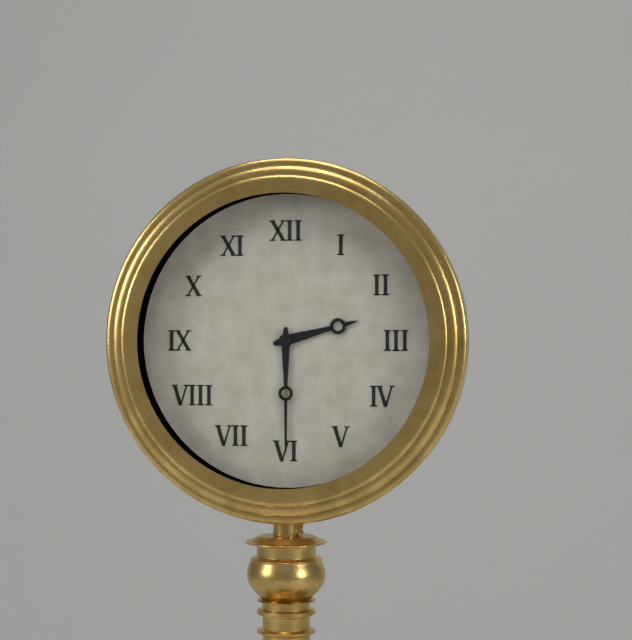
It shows 2.30
